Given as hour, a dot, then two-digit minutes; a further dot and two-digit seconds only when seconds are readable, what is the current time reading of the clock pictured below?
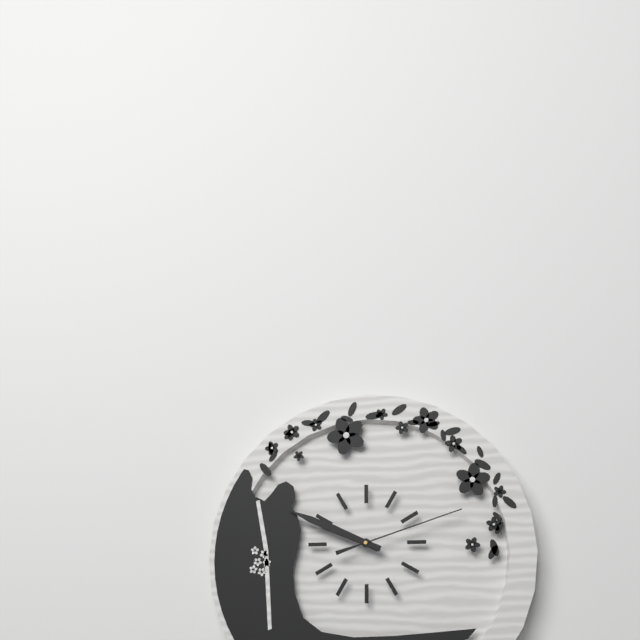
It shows 9.49.12
